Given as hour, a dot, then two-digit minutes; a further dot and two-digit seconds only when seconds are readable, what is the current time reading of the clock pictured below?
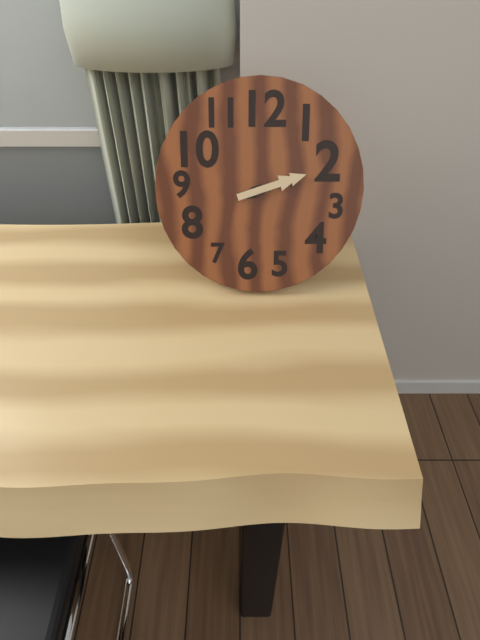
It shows 8.12
